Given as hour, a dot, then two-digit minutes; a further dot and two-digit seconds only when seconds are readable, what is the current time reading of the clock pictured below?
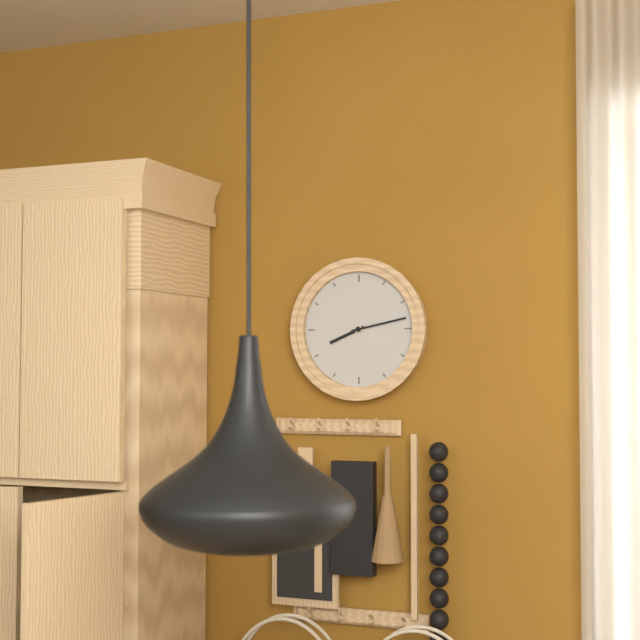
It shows 8.13
